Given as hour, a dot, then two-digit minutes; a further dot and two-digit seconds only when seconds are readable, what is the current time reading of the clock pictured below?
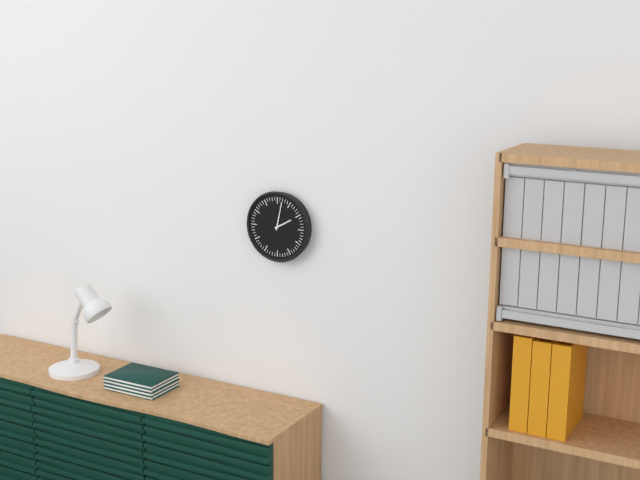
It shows 2.02
